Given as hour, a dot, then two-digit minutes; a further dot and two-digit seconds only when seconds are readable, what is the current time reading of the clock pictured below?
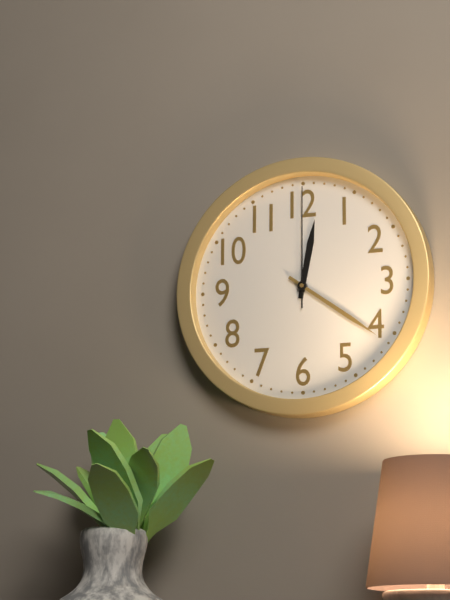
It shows 12.21.00
